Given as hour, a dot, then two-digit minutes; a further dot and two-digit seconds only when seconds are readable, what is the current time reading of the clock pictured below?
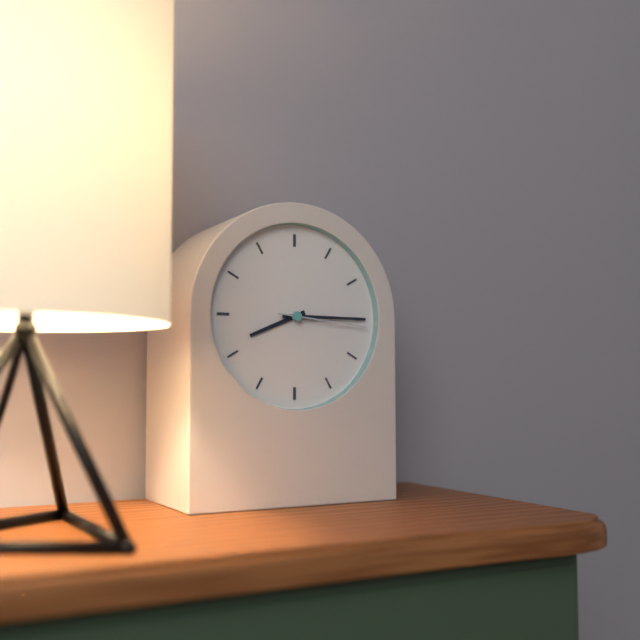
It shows 8.15.16
